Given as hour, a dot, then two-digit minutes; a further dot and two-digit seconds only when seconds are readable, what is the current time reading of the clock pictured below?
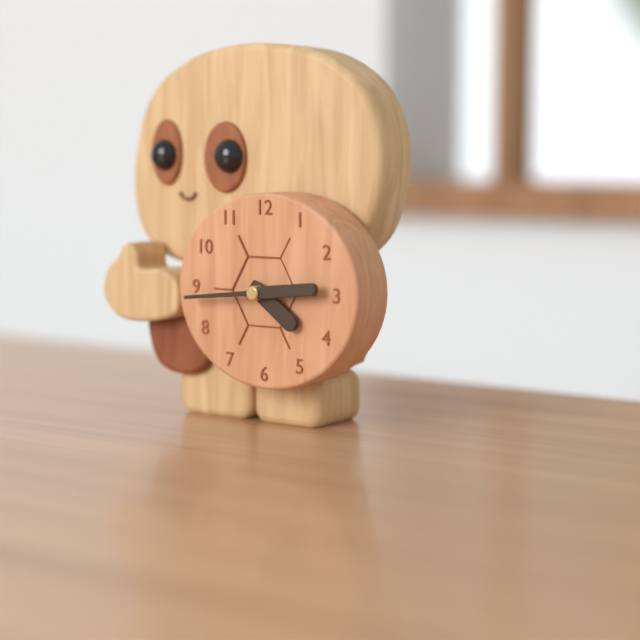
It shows 4.14
